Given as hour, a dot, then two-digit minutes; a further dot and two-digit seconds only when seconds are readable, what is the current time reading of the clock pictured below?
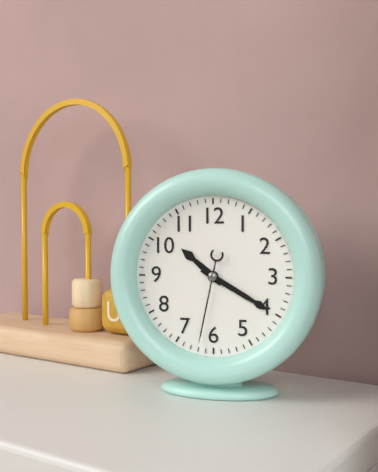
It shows 10.20.32
